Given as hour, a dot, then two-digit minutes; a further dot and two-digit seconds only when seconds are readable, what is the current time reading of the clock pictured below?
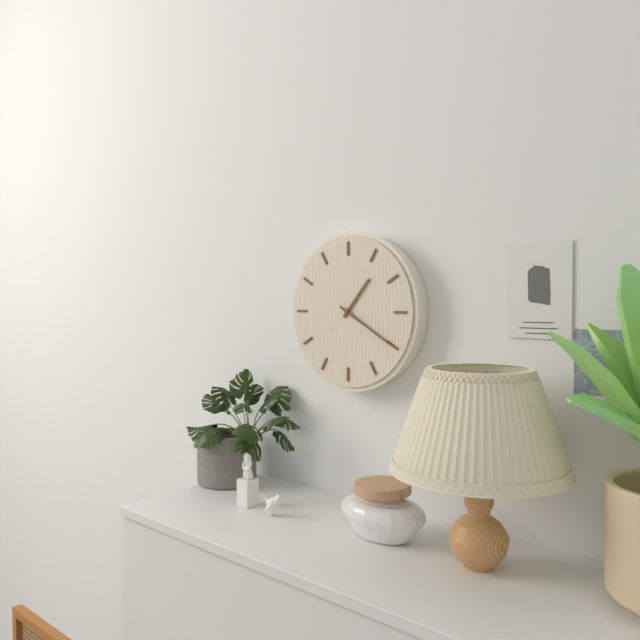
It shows 1.20
